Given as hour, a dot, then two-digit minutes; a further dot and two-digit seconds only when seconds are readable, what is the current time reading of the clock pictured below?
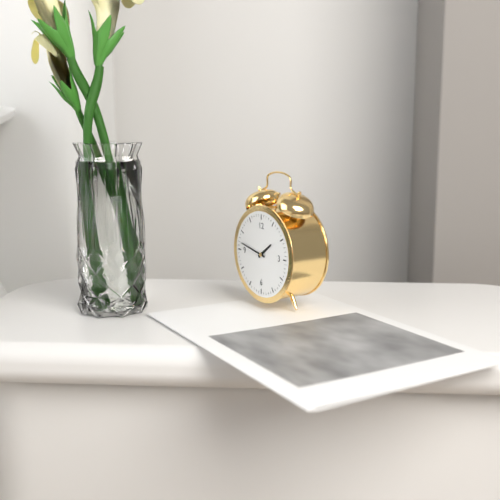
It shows 1.47
